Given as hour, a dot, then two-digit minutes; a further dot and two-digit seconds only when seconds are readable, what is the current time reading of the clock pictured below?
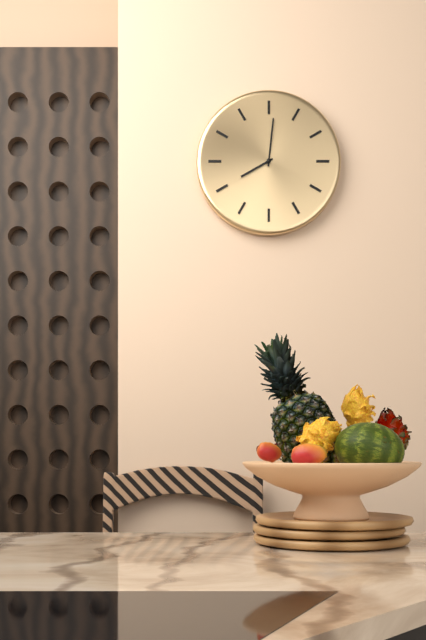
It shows 8.01
